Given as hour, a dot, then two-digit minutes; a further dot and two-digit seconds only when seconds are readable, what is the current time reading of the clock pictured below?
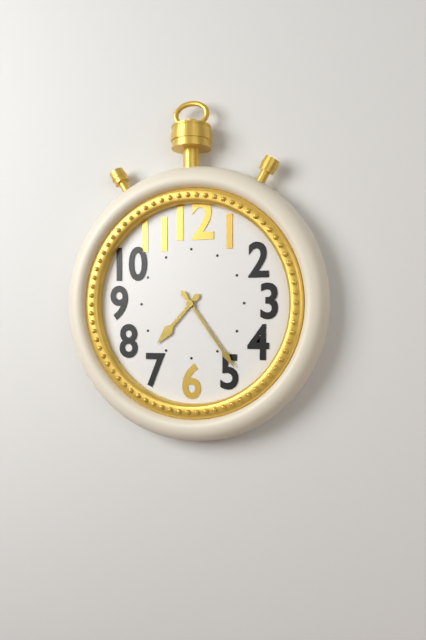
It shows 7.24
